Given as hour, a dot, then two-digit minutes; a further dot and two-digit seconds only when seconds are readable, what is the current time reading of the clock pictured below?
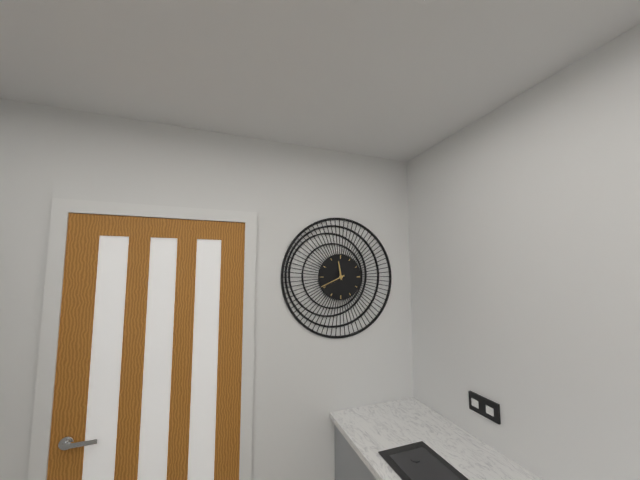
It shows 11.41
